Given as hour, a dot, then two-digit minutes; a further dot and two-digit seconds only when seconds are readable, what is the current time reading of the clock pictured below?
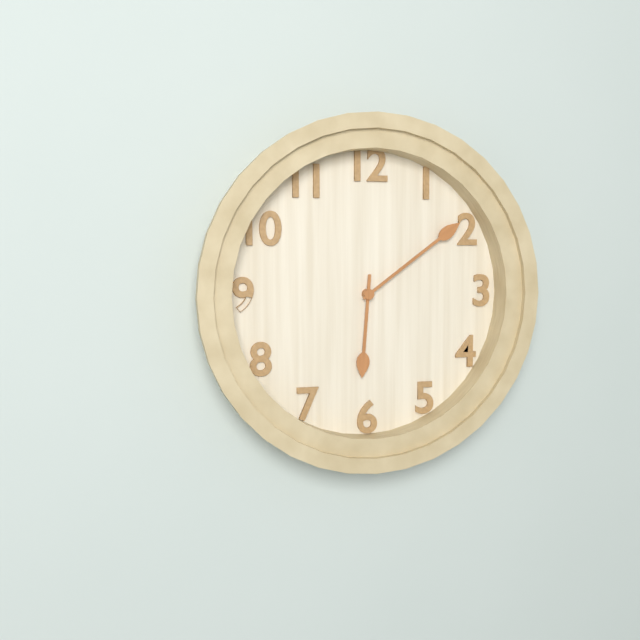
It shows 6.09
